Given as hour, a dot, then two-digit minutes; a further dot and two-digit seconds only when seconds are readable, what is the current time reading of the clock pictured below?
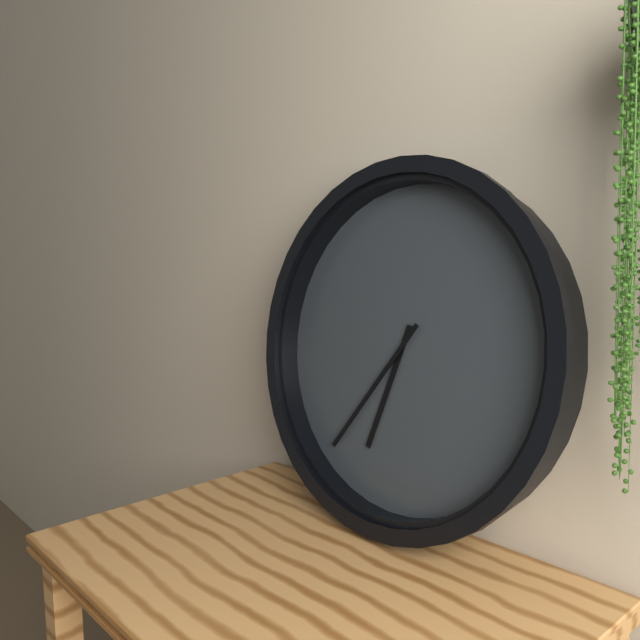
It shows 6.36
